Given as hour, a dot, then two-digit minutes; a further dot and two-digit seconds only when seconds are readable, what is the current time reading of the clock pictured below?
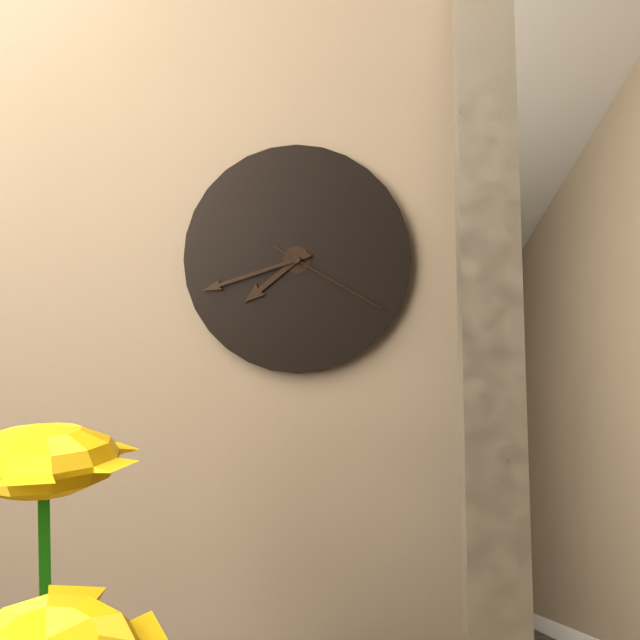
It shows 7.42.20
